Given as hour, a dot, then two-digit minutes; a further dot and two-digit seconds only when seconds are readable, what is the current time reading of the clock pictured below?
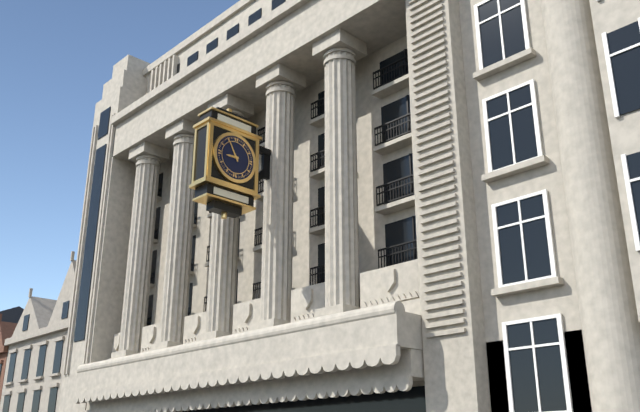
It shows 8.55
